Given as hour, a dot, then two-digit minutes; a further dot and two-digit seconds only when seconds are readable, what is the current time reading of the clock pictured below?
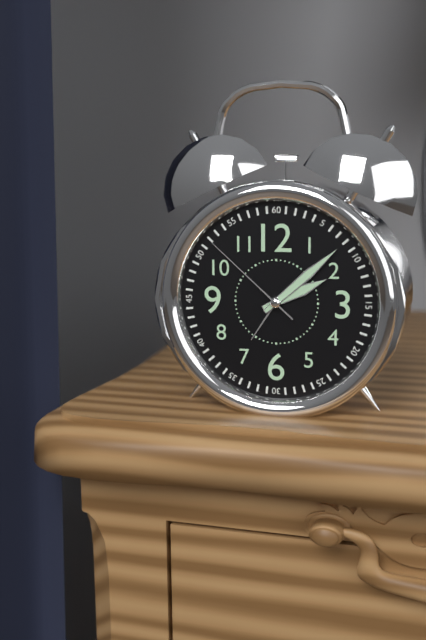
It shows 2.08.52
